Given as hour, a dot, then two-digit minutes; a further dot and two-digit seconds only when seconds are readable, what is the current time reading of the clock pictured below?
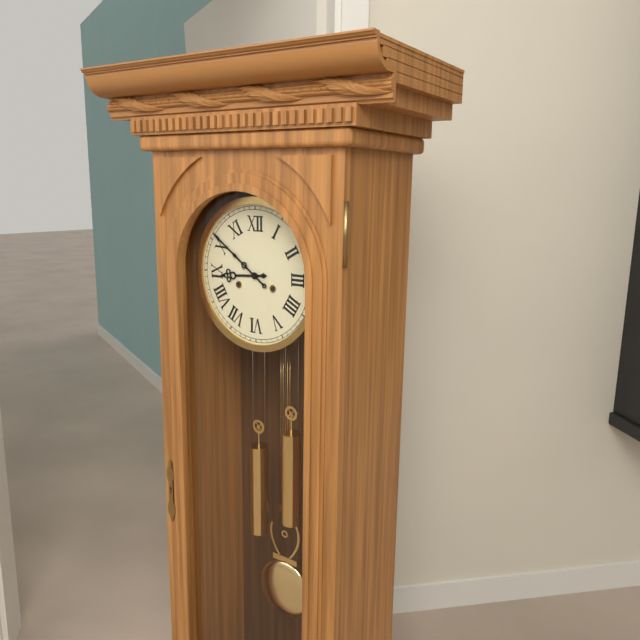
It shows 8.51
